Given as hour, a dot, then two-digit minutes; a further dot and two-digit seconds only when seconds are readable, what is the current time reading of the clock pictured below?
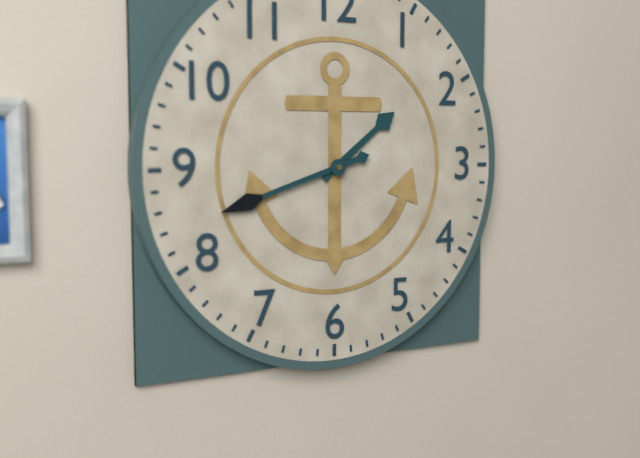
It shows 1.42
